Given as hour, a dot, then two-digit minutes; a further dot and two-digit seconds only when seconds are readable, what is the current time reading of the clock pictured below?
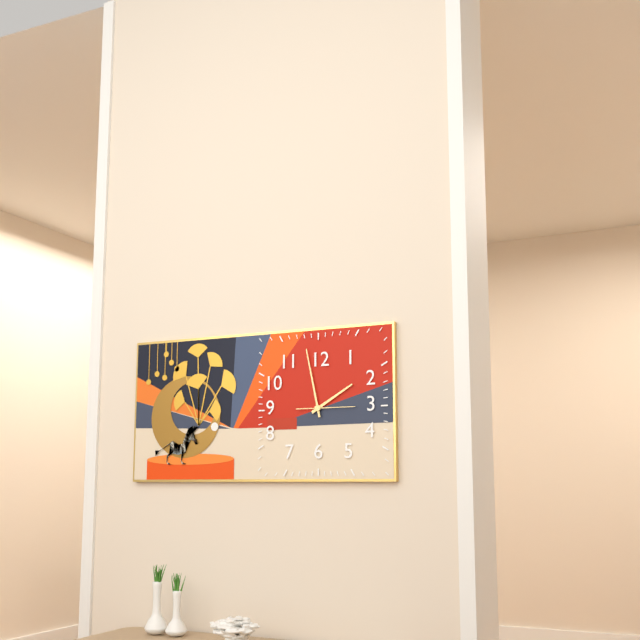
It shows 1.58
